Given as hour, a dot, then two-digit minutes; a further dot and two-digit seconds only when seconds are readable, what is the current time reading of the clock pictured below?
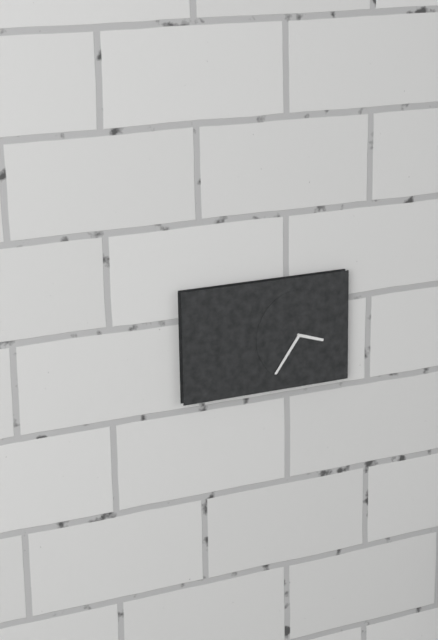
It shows 3.36
